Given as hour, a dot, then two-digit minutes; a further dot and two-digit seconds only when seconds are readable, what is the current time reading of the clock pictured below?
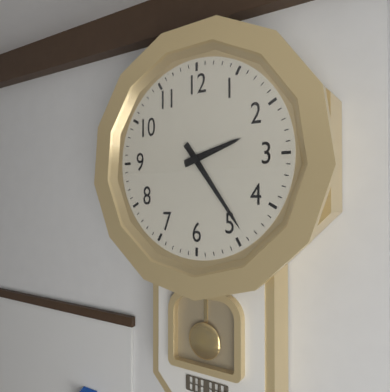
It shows 2.24
